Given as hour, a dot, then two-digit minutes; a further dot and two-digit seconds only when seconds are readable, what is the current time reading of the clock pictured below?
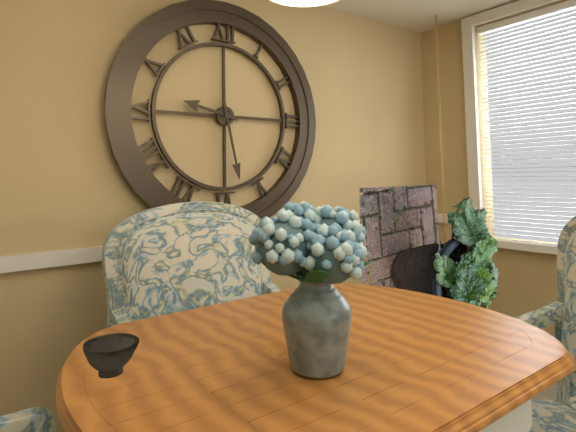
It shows 9.28
